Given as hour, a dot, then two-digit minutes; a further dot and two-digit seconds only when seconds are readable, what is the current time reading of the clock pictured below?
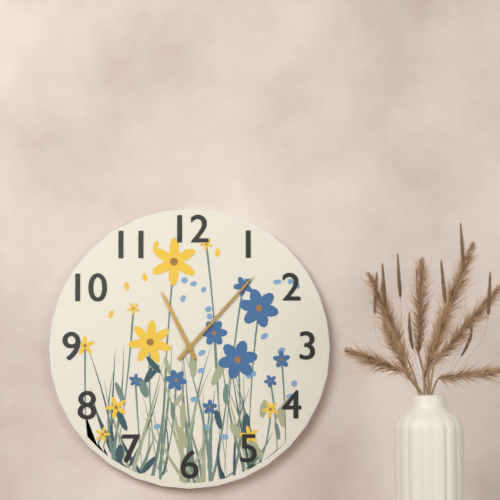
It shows 11.07
